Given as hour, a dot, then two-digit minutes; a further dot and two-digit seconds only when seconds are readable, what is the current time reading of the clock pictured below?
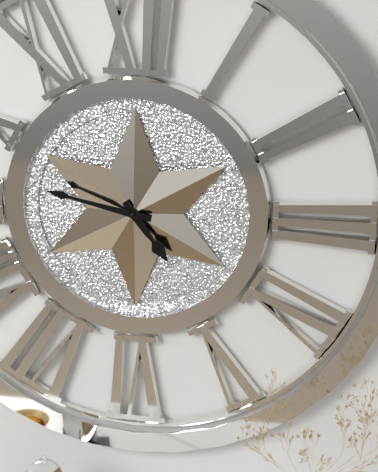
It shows 4.47
